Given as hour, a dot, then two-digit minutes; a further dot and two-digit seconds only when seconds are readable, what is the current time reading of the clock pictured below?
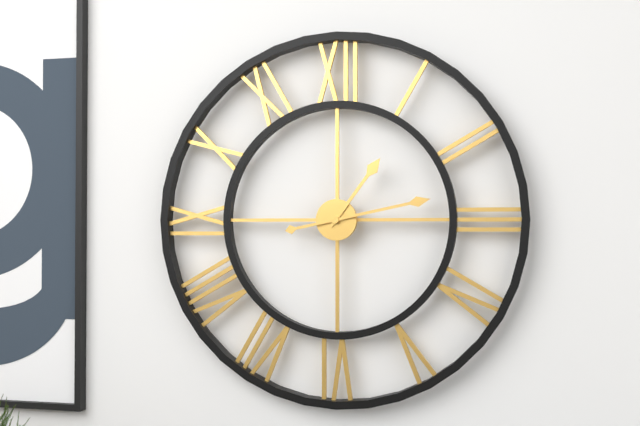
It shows 1.13
